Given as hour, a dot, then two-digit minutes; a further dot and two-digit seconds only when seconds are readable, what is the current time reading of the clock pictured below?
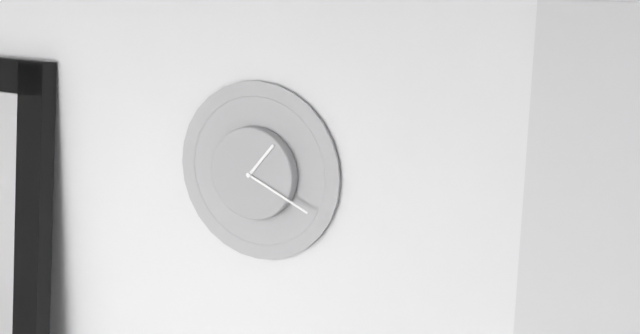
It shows 1.19
